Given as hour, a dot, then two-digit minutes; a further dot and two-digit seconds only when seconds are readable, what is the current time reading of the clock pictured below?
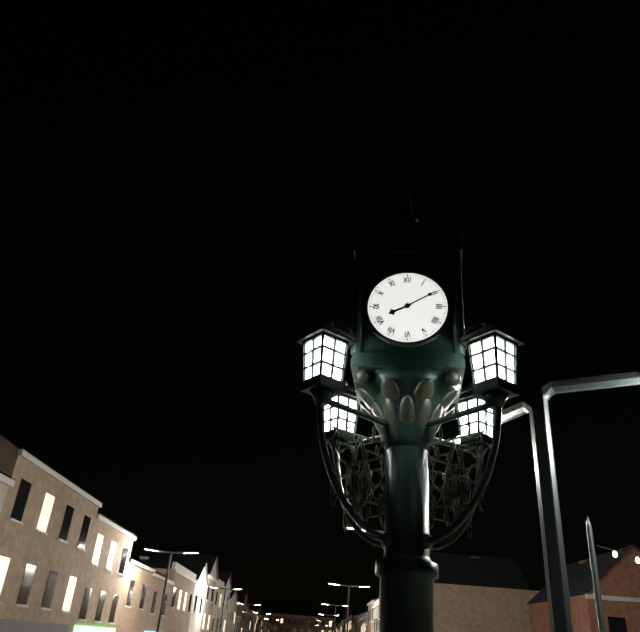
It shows 8.10
